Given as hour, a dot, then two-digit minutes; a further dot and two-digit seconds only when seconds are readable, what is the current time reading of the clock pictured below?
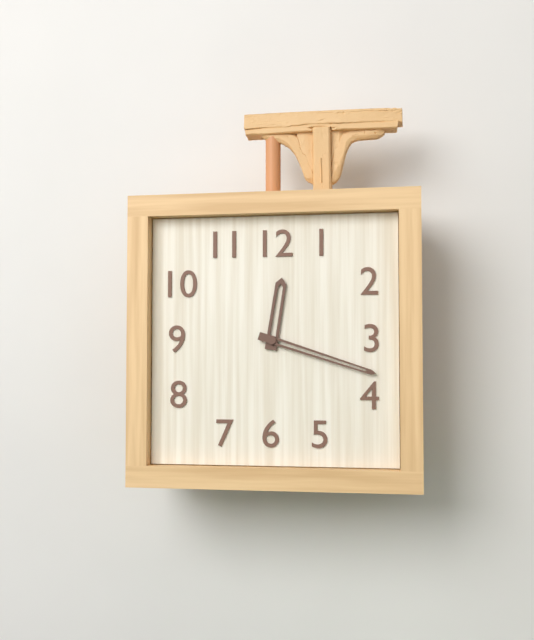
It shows 12.18
